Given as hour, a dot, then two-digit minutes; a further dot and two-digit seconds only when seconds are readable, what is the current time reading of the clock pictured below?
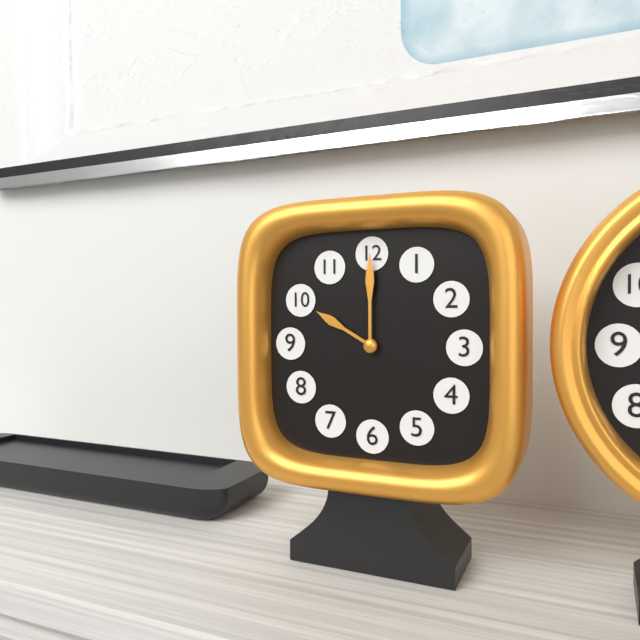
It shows 10.00
